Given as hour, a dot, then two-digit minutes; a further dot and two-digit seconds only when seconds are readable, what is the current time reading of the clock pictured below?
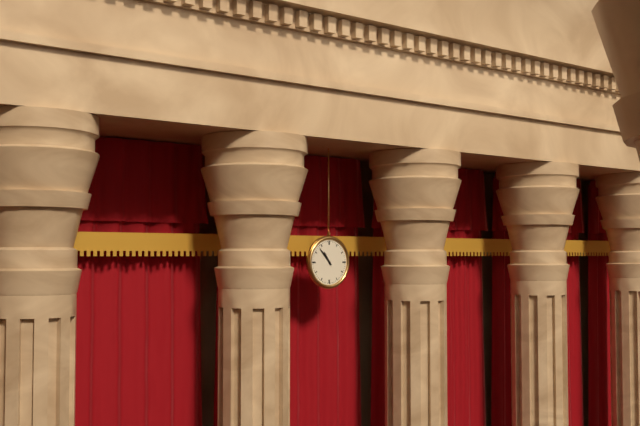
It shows 10.53
